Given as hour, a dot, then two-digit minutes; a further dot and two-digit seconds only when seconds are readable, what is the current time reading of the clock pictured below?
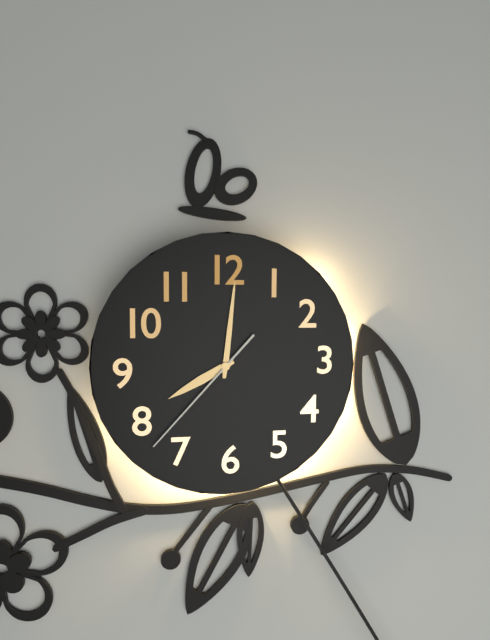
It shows 8.01.37
